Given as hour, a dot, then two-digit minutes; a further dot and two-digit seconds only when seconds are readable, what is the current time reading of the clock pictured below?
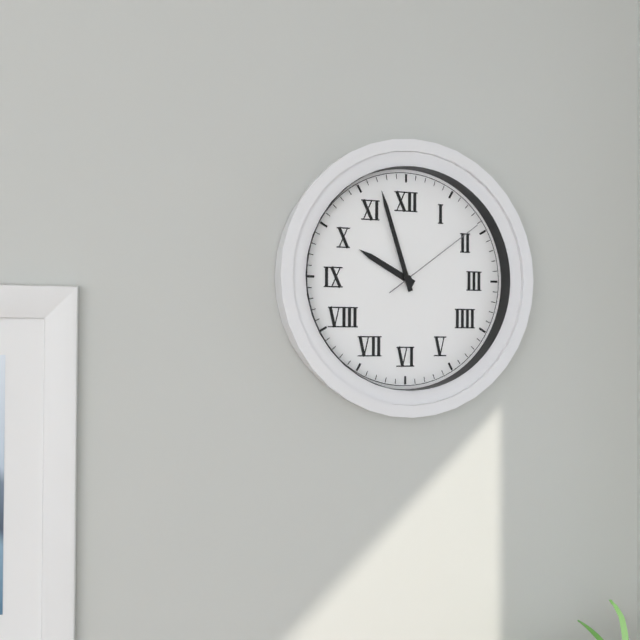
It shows 9.57.09
